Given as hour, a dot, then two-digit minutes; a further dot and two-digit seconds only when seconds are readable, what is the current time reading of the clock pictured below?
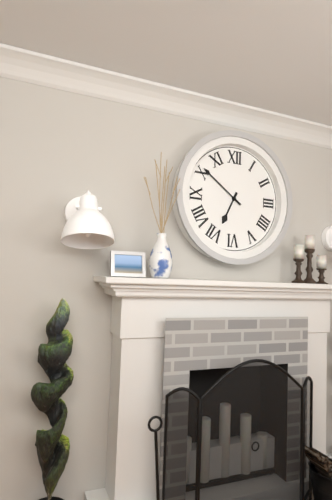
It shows 6.51
